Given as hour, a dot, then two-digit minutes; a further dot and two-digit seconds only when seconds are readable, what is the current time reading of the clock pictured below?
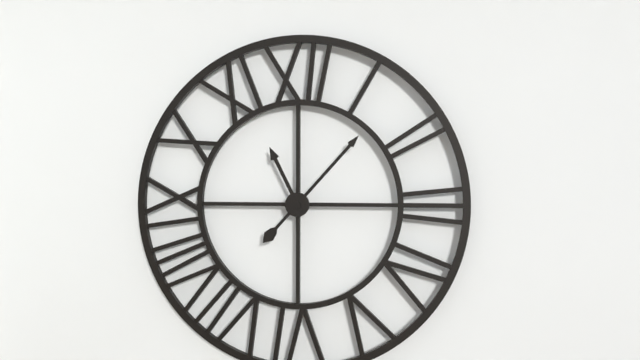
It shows 11.07
